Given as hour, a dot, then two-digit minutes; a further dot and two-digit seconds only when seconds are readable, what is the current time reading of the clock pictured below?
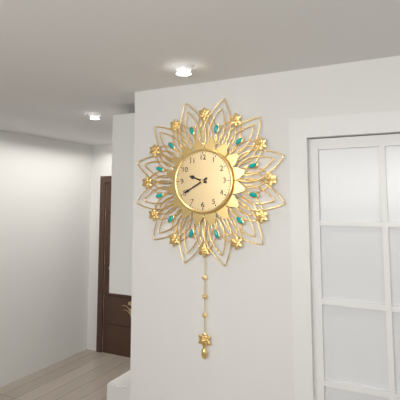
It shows 9.40
